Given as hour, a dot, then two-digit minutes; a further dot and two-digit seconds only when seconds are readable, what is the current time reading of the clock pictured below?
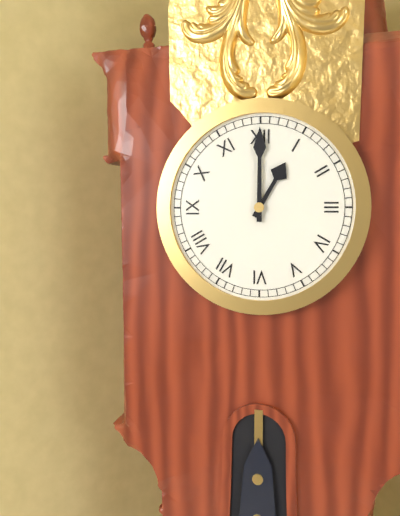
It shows 1.00
